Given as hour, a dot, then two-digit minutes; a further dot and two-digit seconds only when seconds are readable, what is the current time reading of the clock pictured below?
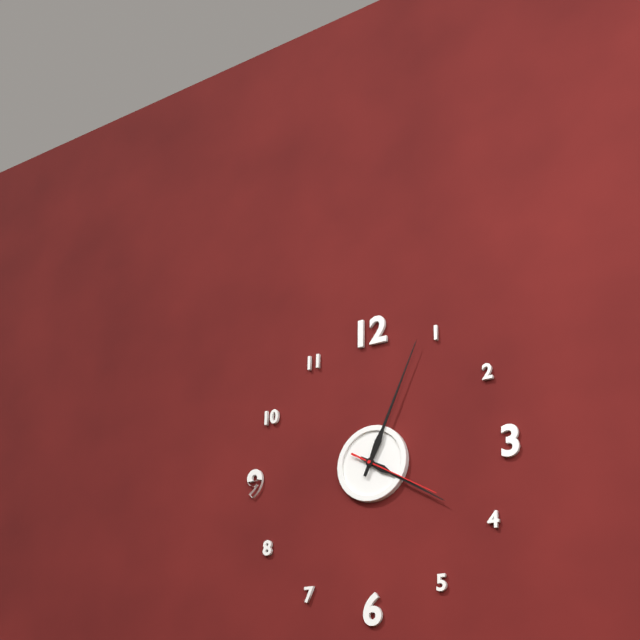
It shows 4.04.20
